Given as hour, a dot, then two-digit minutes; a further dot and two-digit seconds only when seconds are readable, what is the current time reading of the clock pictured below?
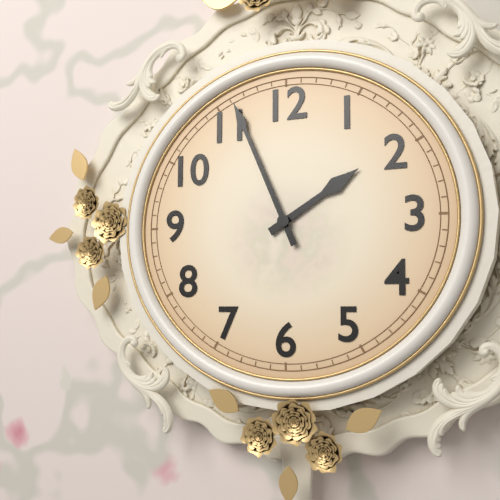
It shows 1.56
